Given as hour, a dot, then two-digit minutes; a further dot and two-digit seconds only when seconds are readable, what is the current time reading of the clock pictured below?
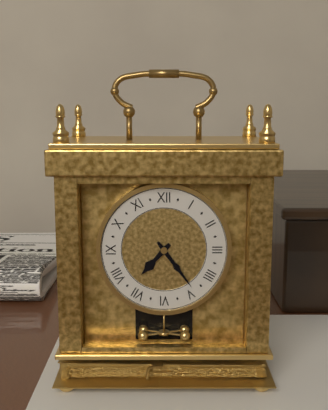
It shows 7.24
